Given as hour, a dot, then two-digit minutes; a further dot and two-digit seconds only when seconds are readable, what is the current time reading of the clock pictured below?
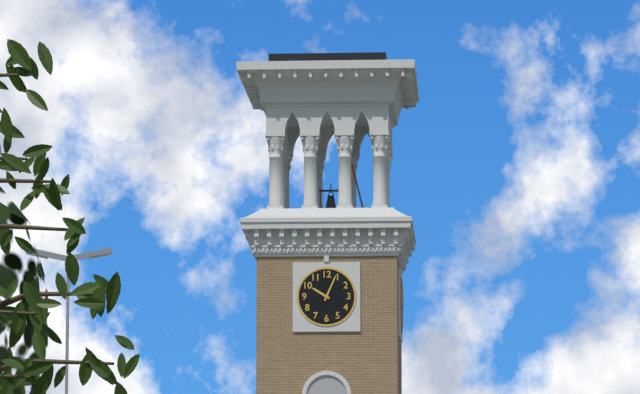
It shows 10.04
